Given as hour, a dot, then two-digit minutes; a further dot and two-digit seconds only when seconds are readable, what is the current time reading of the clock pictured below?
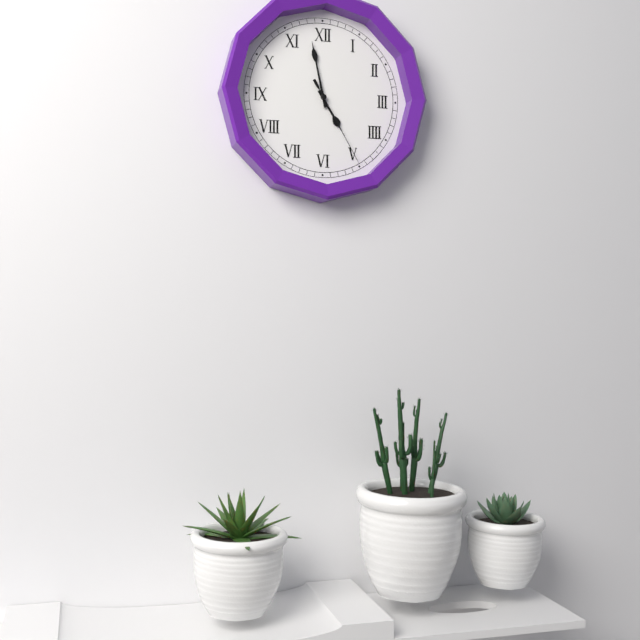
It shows 4.58.25
